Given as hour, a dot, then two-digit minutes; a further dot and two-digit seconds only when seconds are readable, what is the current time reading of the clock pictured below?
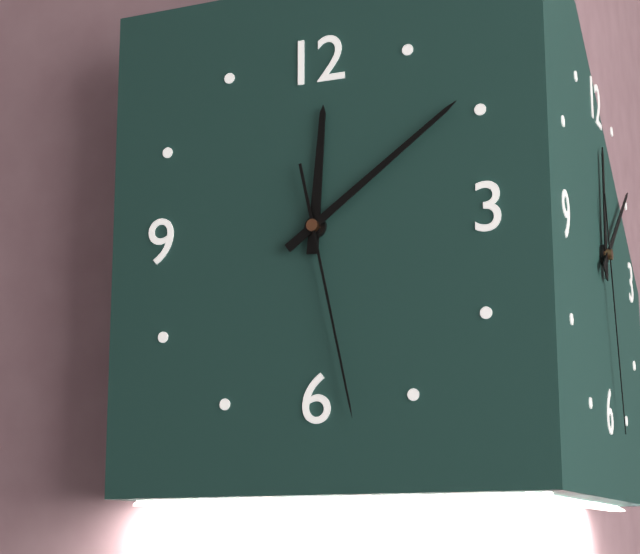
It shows 12.09.28
